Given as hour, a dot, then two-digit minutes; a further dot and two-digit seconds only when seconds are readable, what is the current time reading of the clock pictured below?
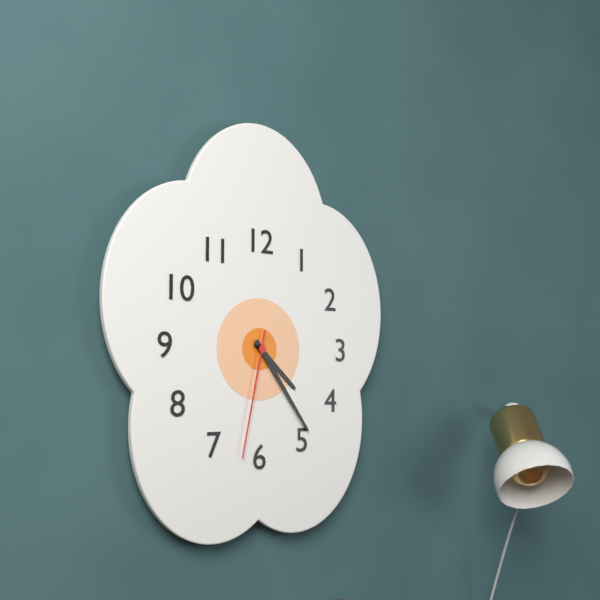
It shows 4.24.32
